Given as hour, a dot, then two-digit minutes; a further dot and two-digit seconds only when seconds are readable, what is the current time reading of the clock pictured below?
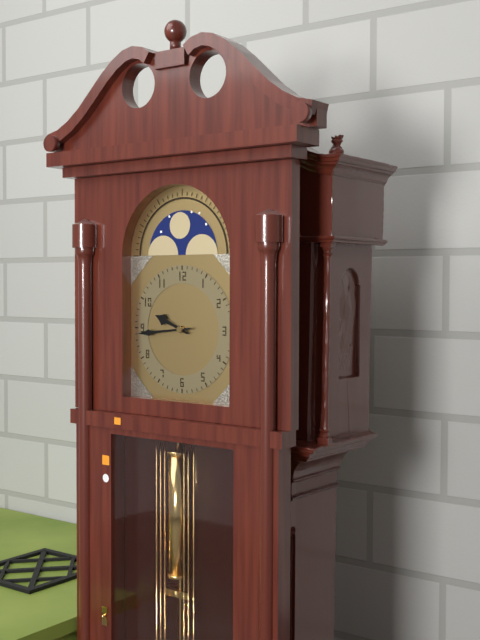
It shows 9.44
